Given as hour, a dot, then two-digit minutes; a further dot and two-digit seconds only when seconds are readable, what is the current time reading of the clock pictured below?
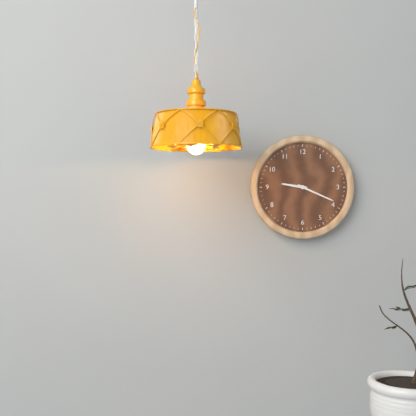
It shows 9.19
